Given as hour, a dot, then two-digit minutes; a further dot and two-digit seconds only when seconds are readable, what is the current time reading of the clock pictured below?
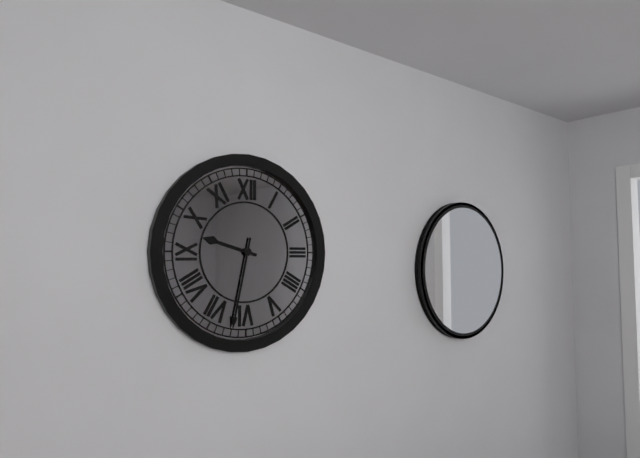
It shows 9.32
